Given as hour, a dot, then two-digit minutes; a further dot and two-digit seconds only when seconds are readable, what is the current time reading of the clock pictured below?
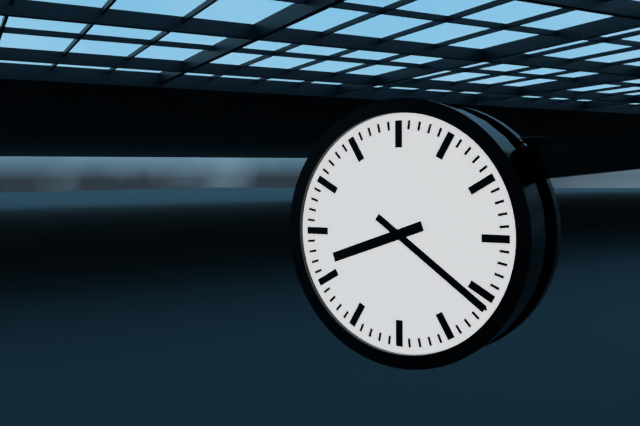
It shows 8.21
